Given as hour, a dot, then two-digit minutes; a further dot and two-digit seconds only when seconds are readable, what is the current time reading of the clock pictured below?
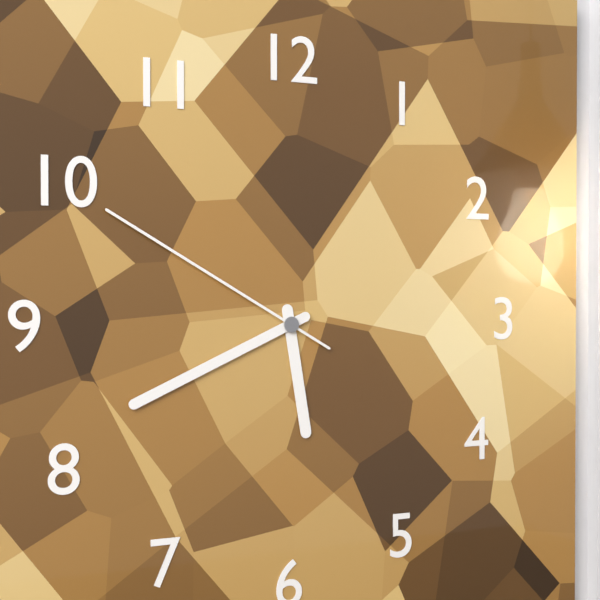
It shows 5.41.50
